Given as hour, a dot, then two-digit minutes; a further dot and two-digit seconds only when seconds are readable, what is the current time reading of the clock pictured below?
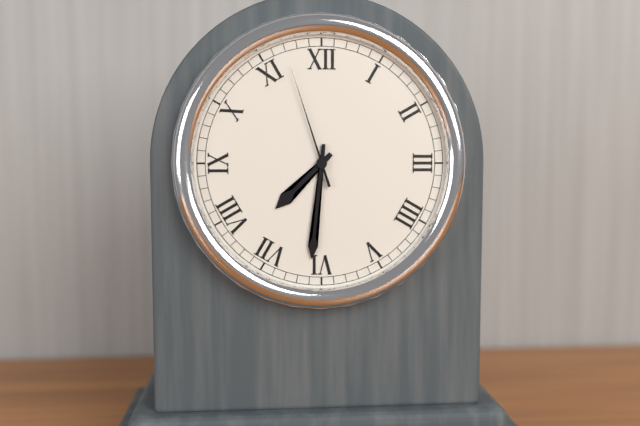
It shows 7.31.57
